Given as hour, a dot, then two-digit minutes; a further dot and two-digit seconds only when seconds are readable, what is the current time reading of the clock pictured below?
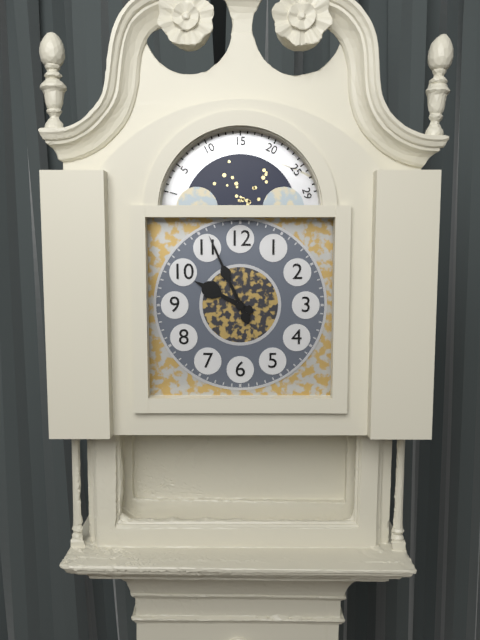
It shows 9.56
